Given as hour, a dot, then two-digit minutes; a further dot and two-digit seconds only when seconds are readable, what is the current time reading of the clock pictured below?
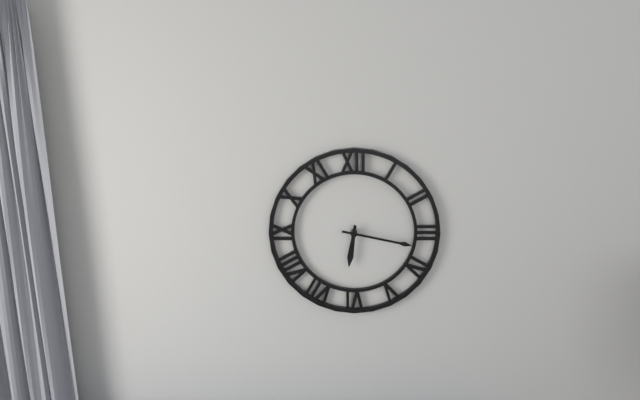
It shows 6.17
